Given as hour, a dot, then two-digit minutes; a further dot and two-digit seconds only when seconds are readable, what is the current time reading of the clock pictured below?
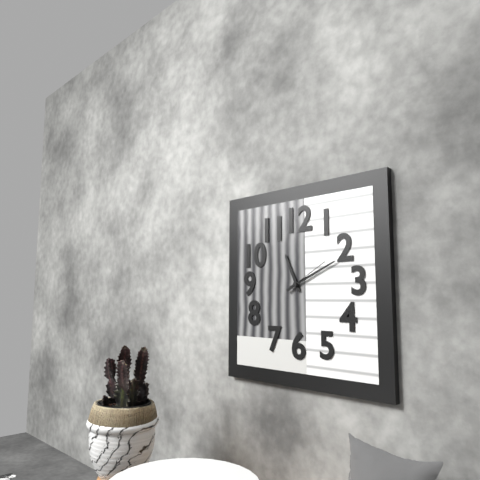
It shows 11.11
